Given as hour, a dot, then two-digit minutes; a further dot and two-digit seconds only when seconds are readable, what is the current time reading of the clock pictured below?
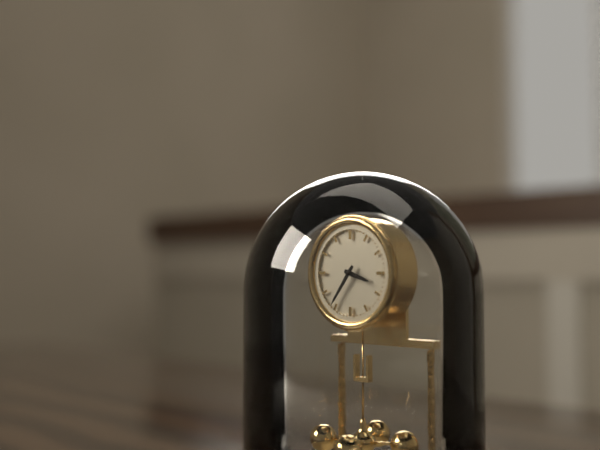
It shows 3.36
